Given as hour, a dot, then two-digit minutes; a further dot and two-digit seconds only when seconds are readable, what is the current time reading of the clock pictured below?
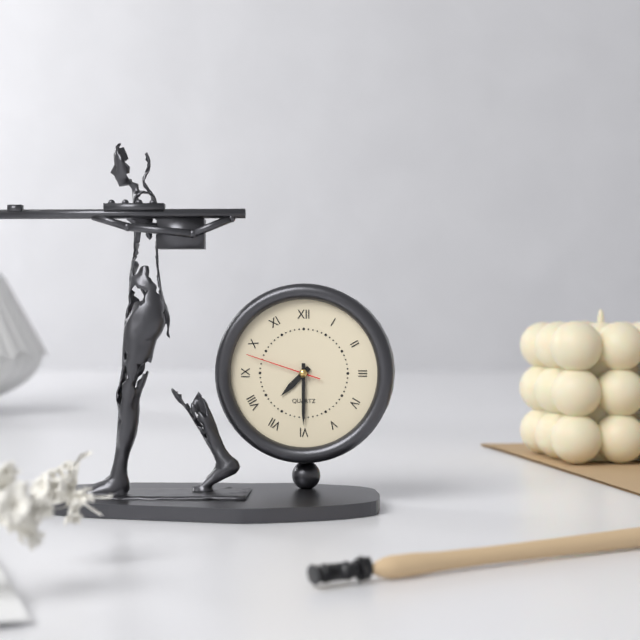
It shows 7.30.48
